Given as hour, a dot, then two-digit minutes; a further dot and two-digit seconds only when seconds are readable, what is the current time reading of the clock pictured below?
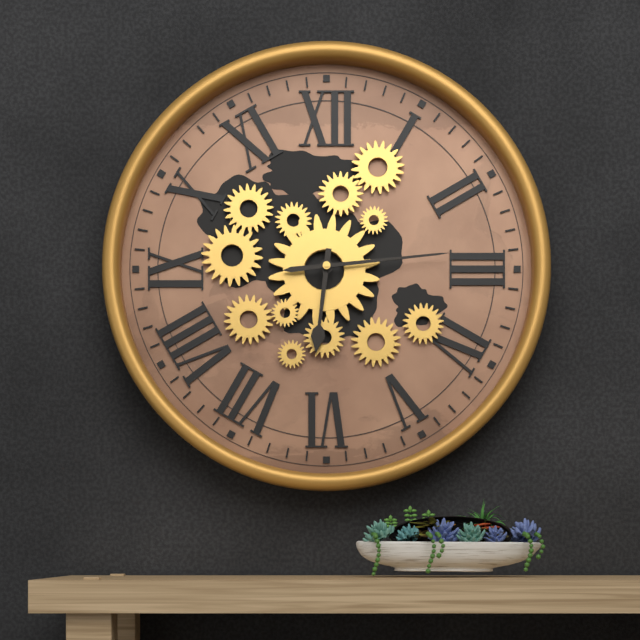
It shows 6.14
